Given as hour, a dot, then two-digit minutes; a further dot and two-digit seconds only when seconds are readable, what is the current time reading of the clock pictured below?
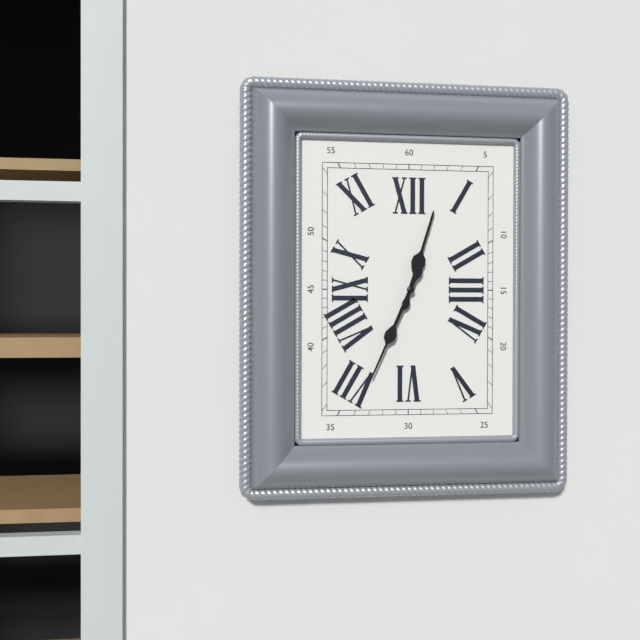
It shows 12.34
